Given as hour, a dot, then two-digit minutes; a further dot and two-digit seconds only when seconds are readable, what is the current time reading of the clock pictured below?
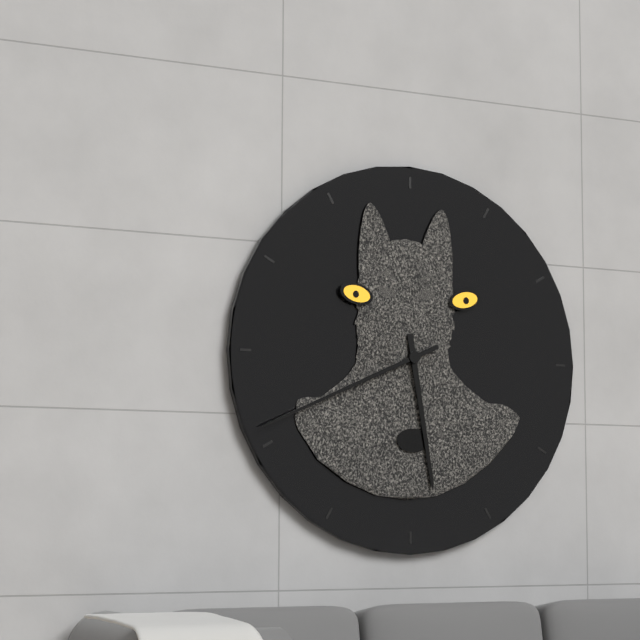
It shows 5.41
